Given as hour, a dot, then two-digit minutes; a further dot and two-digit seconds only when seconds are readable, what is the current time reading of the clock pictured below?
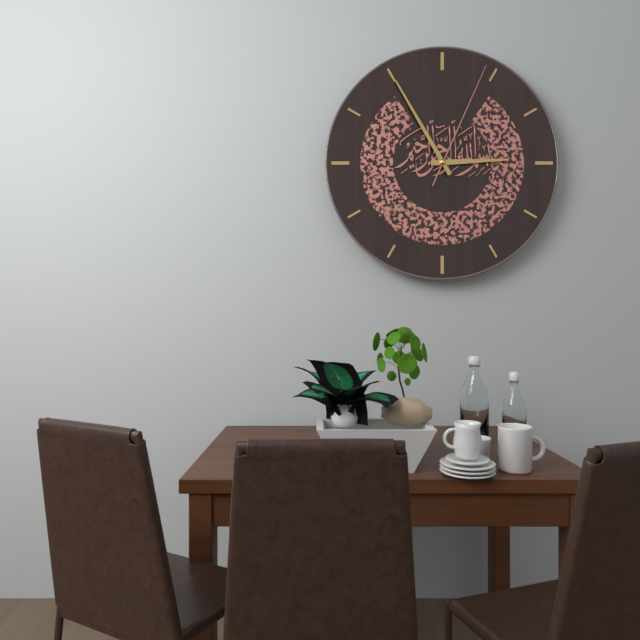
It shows 2.55.04
